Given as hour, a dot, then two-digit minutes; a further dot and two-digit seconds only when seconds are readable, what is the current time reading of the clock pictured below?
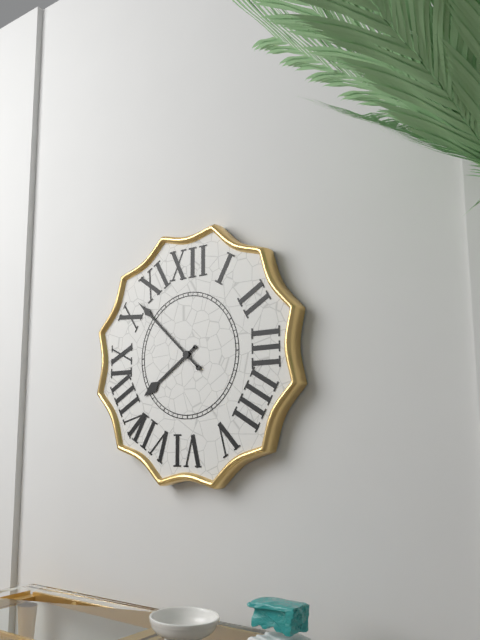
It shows 7.52
